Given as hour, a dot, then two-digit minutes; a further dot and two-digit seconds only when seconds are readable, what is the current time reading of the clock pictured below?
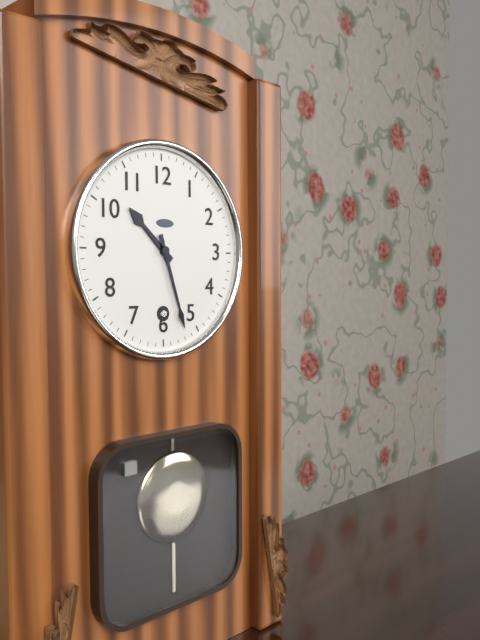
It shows 10.27
